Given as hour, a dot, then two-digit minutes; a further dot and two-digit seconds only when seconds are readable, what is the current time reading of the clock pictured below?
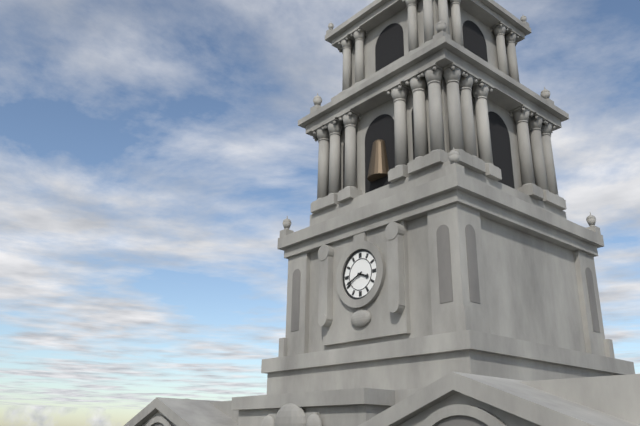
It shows 3.41
